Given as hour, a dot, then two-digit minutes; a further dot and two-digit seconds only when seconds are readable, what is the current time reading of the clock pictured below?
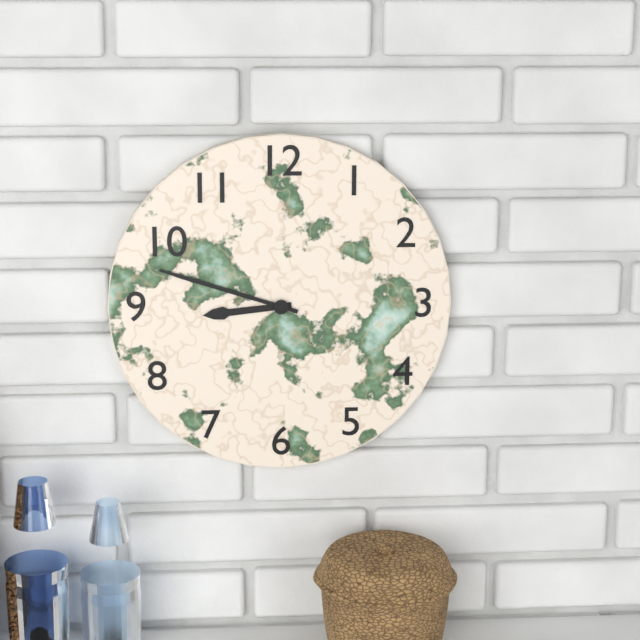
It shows 8.48
